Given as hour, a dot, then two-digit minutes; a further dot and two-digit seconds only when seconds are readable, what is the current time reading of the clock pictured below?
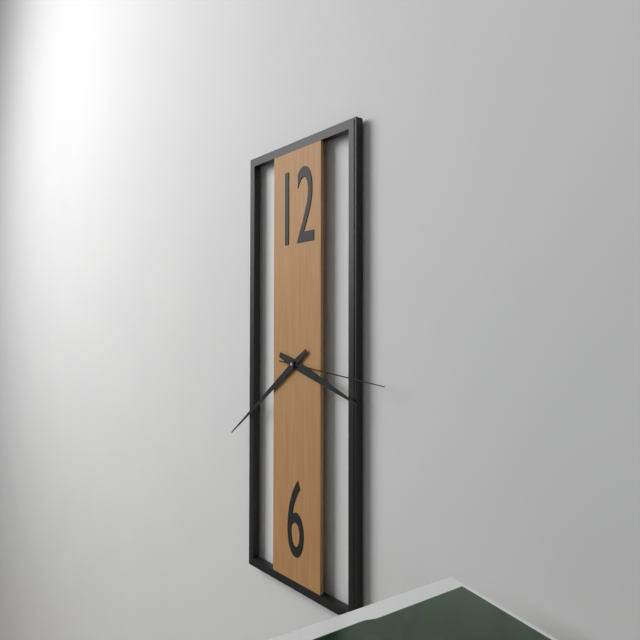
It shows 3.39.16
